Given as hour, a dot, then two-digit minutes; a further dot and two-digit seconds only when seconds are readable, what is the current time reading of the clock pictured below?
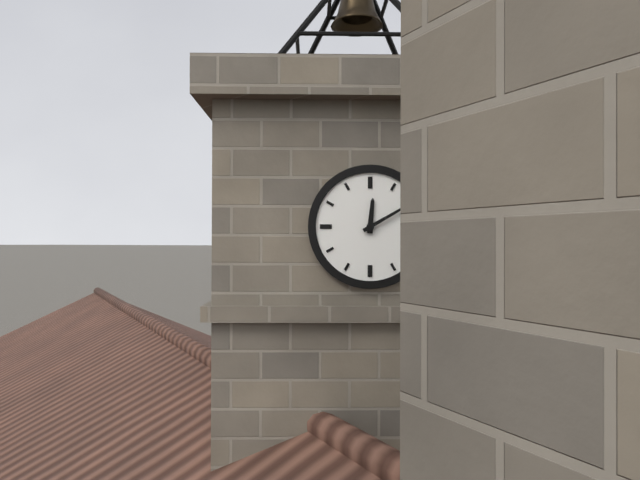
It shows 12.10
